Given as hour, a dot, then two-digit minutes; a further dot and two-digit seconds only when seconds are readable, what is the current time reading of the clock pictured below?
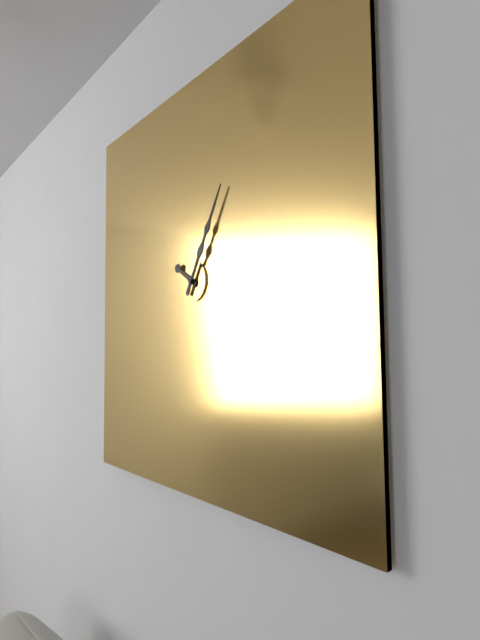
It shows 10.05
